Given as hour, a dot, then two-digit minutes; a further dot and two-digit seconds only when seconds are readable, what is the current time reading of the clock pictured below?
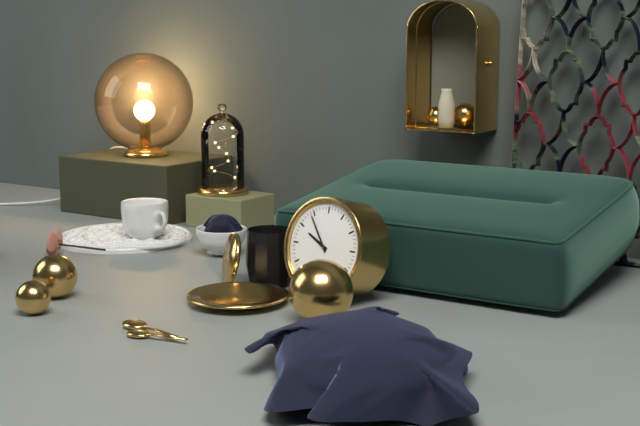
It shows 9.54
